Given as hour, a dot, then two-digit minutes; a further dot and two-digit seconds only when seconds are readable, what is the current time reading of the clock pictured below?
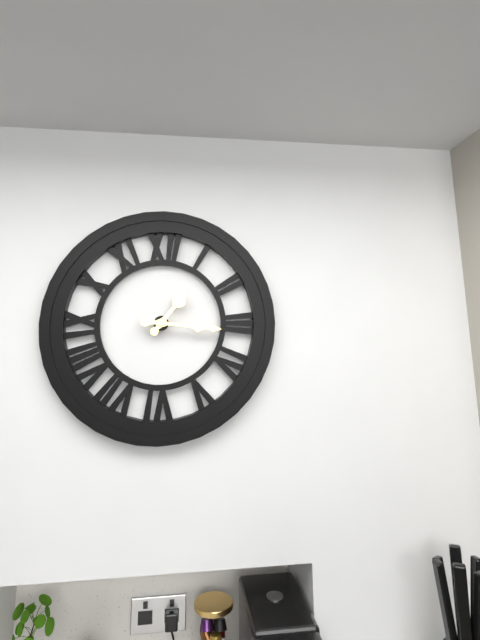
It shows 1.16
